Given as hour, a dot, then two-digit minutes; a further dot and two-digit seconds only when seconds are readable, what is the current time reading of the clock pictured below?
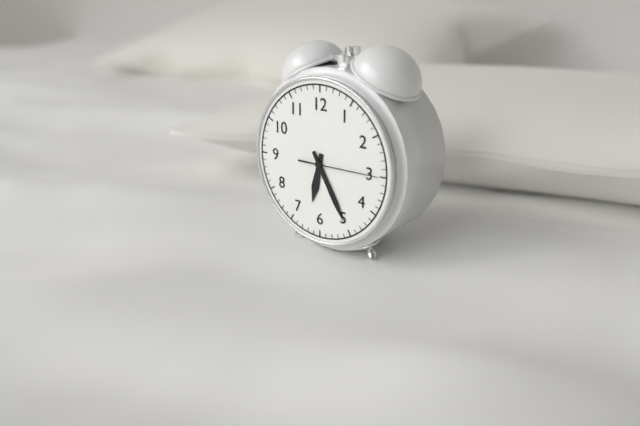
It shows 6.25.15
